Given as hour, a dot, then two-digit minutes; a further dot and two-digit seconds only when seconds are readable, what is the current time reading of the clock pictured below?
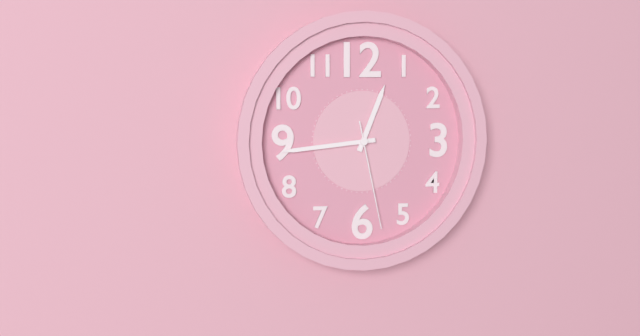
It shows 12.44.28
